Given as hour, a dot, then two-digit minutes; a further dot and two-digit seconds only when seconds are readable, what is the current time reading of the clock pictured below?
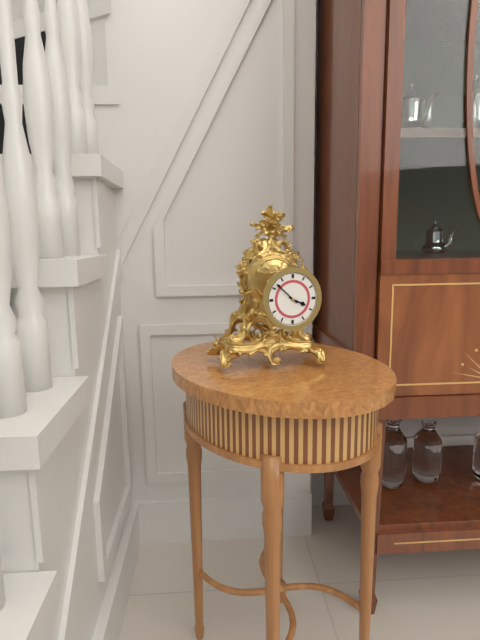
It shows 3.52
